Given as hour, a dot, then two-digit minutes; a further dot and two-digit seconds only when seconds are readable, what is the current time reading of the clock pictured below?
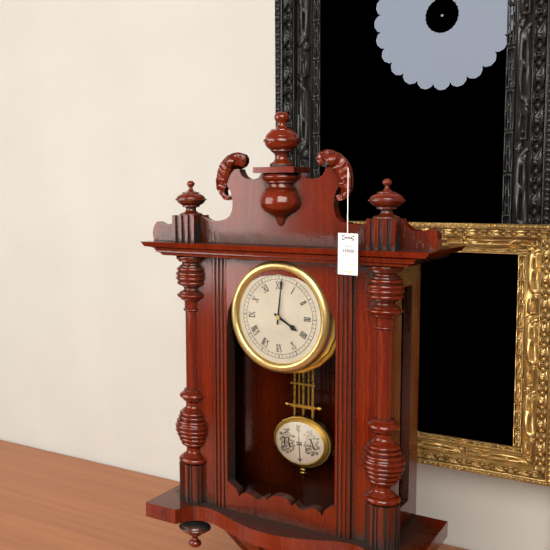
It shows 4.01
